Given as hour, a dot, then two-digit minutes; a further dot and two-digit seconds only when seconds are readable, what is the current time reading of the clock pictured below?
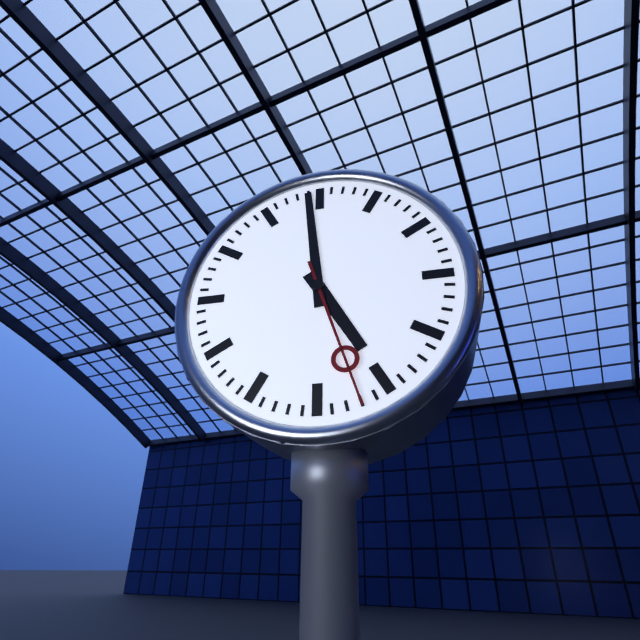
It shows 4.59.27
